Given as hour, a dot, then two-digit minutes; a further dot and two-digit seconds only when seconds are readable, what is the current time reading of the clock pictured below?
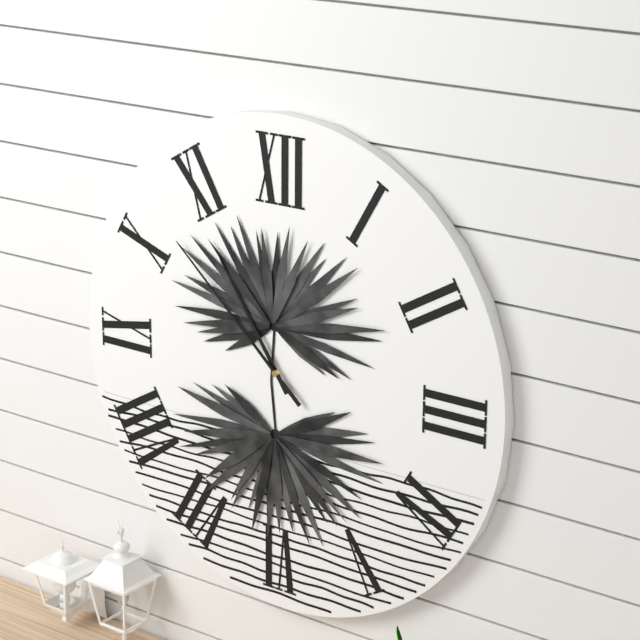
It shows 10.52
